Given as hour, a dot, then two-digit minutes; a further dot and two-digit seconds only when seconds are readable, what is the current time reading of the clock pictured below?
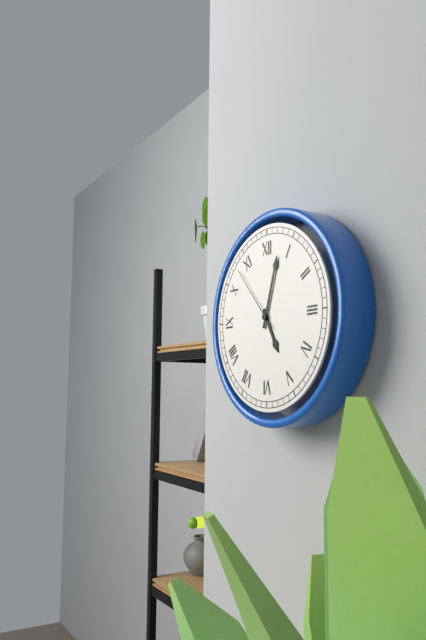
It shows 5.03.53
